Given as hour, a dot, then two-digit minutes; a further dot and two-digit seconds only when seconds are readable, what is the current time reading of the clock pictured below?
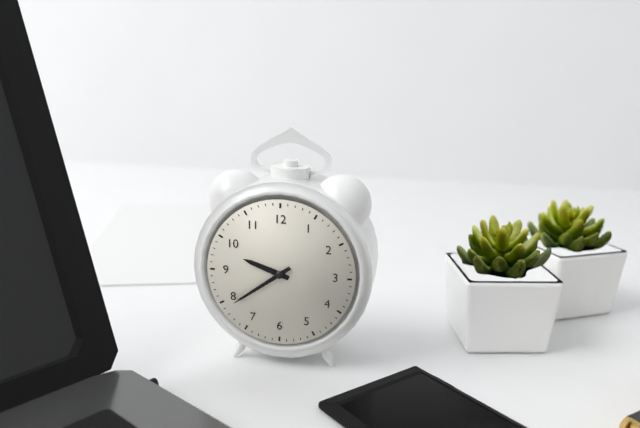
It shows 9.39
